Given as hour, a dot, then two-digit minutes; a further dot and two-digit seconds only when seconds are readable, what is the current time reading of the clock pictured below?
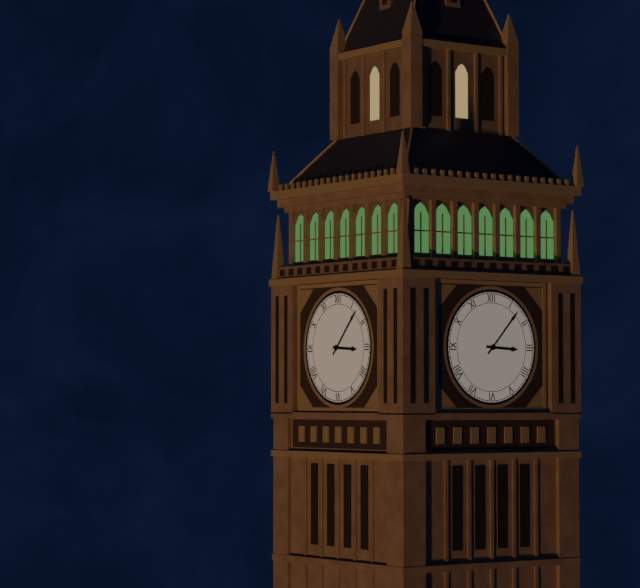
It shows 3.07
